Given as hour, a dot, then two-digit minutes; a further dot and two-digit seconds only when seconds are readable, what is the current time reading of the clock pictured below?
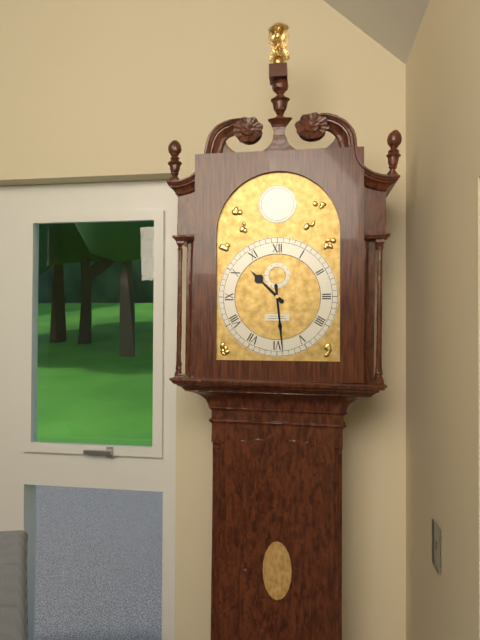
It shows 10.29
